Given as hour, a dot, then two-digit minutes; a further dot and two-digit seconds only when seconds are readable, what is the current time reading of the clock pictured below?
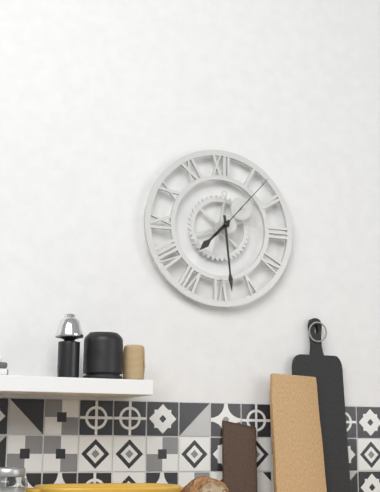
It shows 7.29.07
